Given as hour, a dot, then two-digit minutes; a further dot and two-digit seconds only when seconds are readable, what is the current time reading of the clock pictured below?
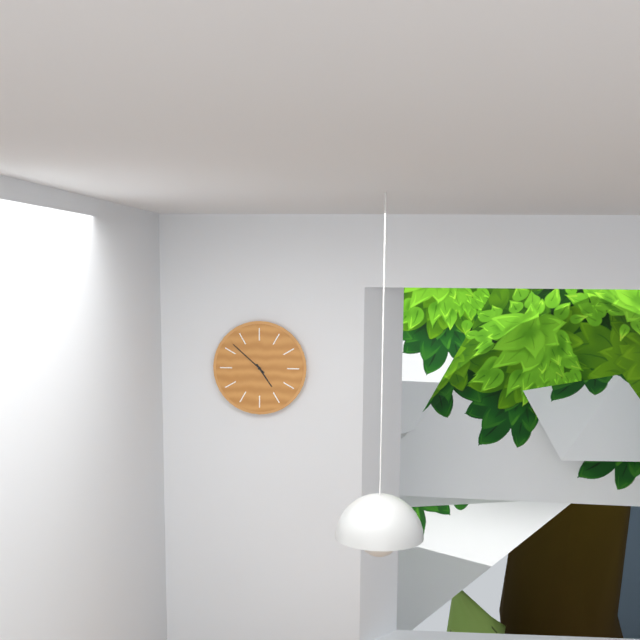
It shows 4.52
